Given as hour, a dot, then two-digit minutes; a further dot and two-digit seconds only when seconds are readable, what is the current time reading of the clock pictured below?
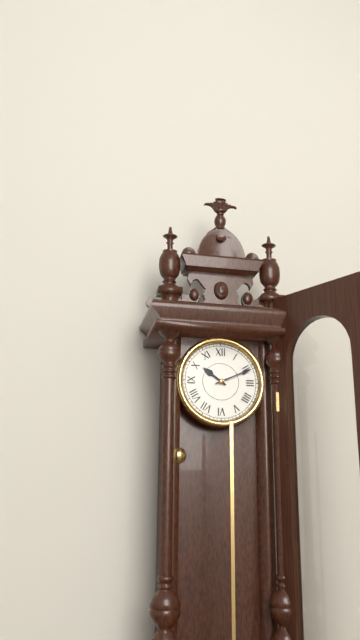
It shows 10.11
